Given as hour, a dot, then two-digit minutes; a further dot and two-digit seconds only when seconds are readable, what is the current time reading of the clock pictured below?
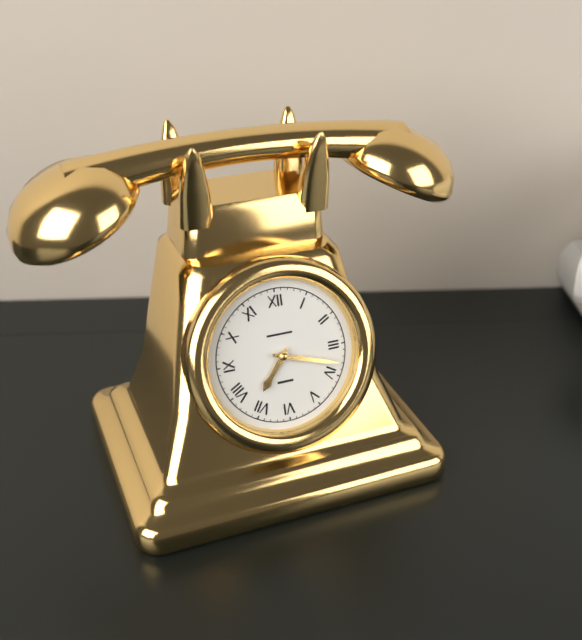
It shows 7.18
